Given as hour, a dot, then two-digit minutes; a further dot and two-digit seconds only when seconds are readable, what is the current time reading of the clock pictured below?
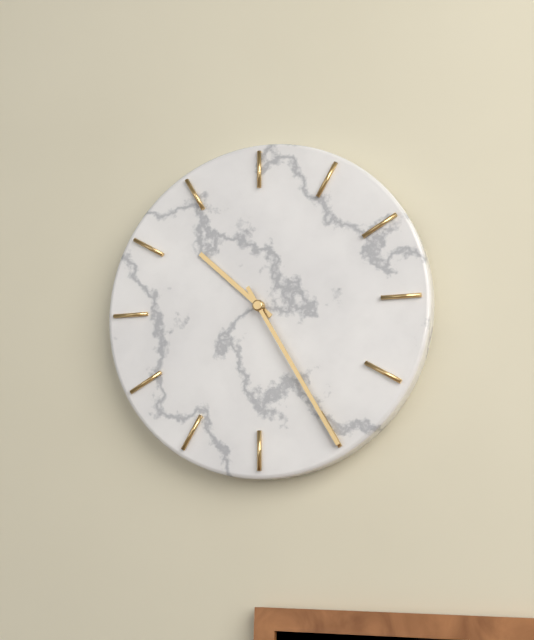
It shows 10.25
